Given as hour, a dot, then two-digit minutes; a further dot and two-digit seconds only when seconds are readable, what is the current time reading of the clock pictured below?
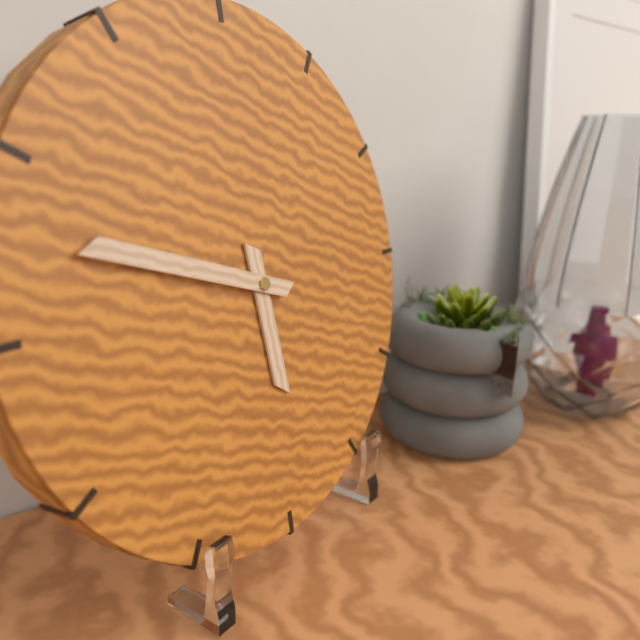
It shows 5.48
